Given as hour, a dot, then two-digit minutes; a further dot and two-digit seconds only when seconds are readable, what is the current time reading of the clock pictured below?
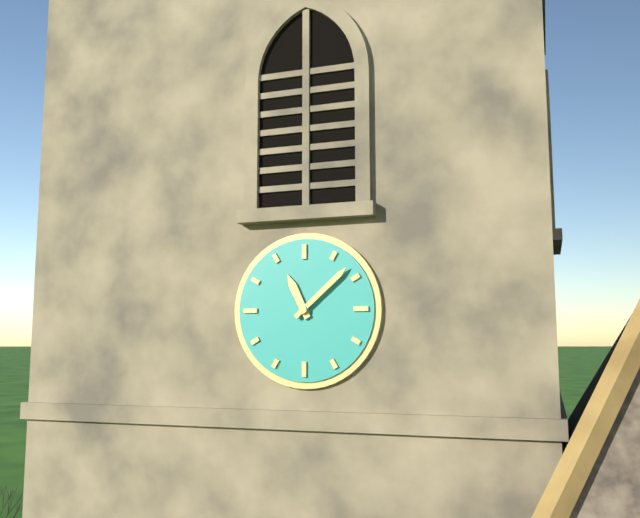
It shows 11.08
